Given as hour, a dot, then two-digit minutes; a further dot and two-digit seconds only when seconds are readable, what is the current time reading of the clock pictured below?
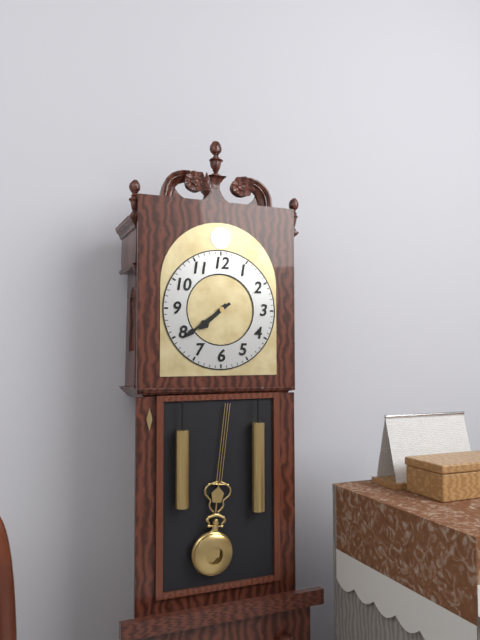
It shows 7.39
